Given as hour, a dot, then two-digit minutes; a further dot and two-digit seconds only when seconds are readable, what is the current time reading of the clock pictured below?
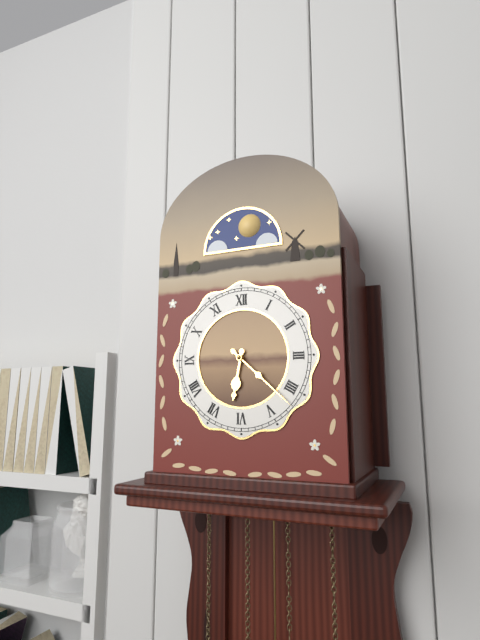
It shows 6.22
